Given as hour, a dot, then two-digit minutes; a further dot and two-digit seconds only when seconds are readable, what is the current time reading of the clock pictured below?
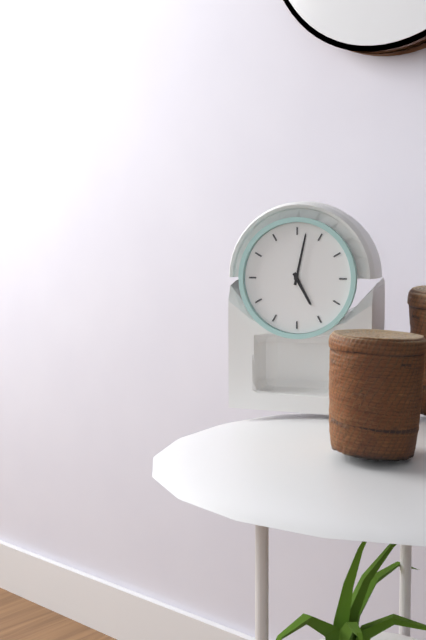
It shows 5.02
